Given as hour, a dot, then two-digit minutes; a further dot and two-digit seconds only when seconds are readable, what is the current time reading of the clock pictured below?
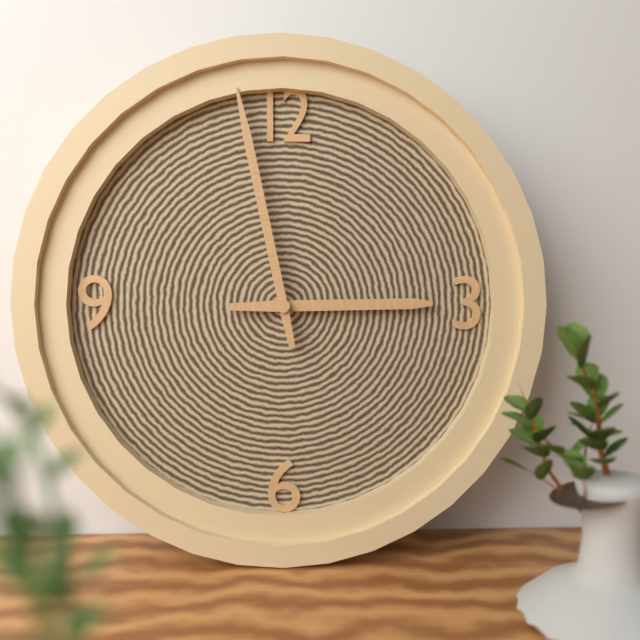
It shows 2.58
